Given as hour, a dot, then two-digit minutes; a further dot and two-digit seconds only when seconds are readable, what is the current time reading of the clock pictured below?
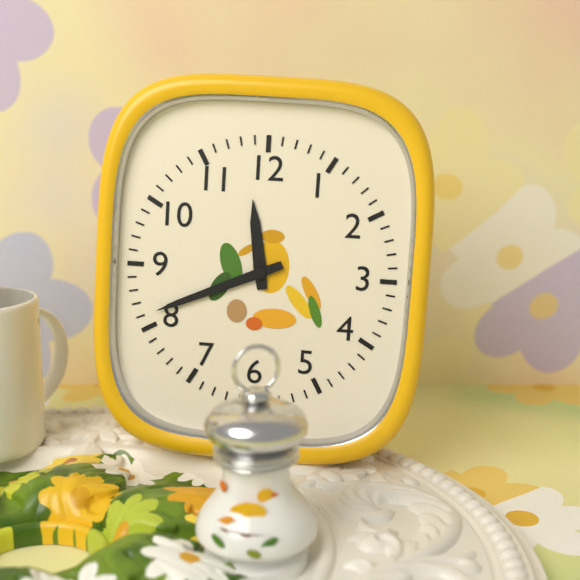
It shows 11.41
